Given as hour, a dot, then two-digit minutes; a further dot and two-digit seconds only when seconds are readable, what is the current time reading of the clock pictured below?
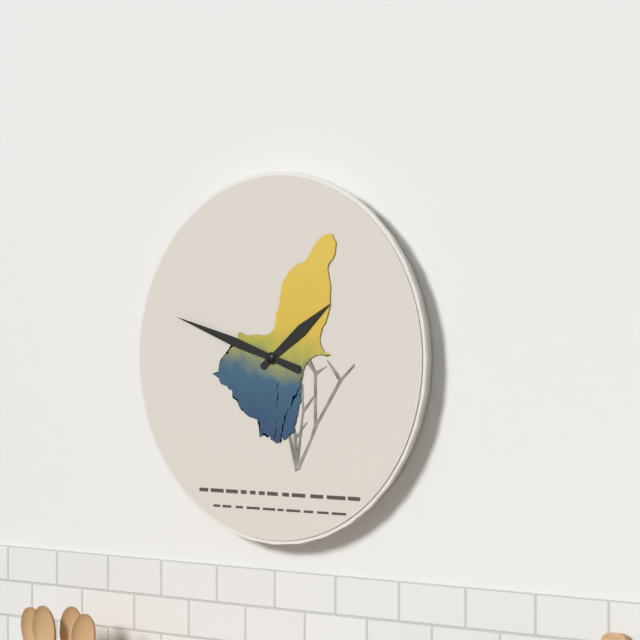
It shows 1.48
